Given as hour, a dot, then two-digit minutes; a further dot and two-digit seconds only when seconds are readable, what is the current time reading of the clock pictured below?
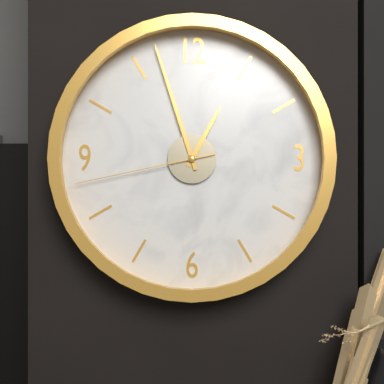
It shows 12.57.43
